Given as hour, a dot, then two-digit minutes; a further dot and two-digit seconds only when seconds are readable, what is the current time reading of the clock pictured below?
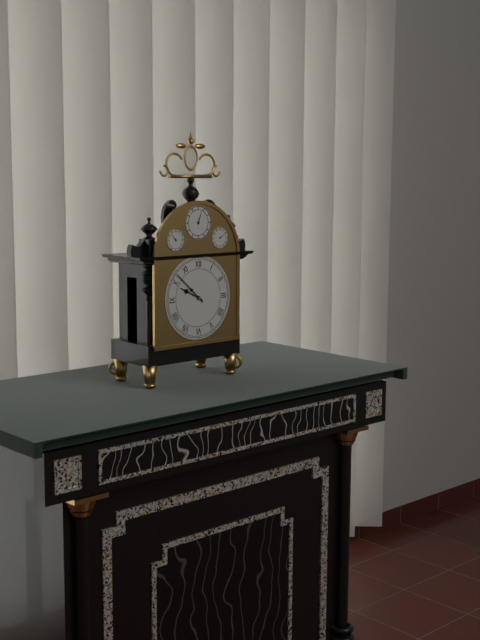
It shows 9.52
